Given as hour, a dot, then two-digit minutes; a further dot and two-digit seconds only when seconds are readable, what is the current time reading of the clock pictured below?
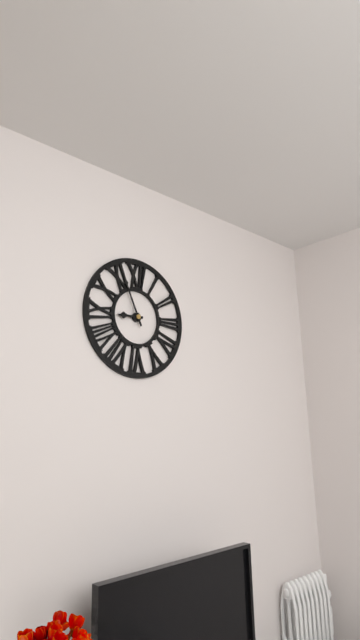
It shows 8.56
